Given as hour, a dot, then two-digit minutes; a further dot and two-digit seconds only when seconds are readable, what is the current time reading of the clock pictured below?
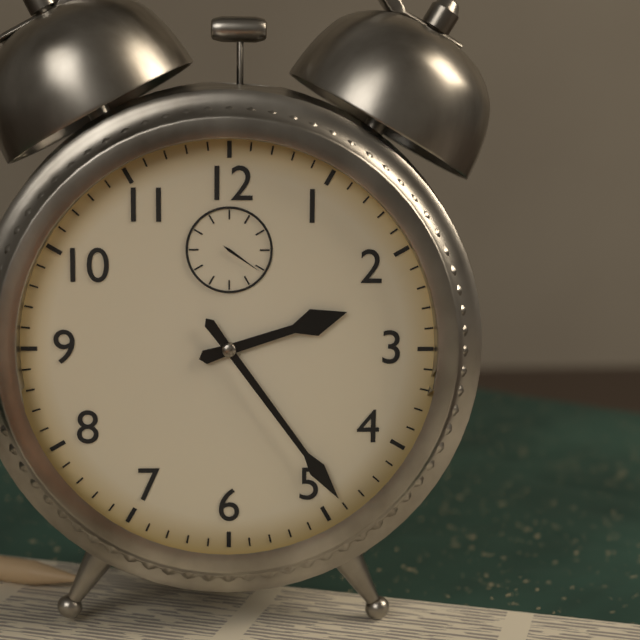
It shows 2.24
